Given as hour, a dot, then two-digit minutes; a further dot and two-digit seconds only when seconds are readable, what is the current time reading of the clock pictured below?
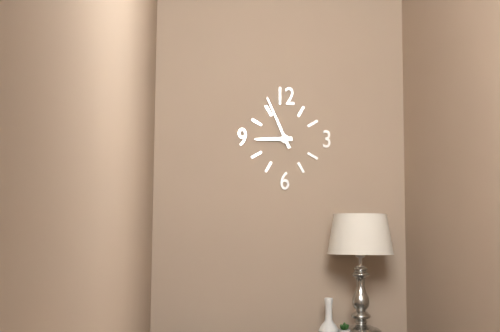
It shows 8.56
